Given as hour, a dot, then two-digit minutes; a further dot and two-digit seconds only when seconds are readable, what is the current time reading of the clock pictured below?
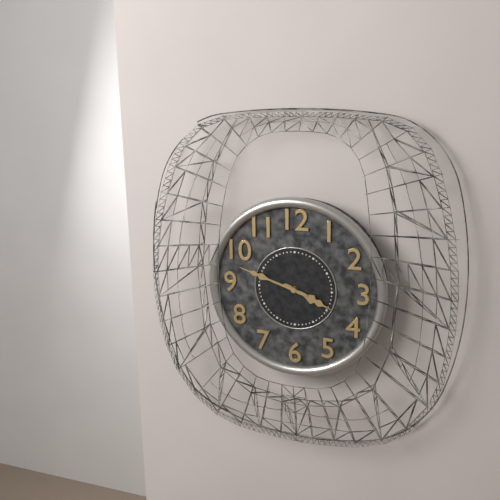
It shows 3.48
